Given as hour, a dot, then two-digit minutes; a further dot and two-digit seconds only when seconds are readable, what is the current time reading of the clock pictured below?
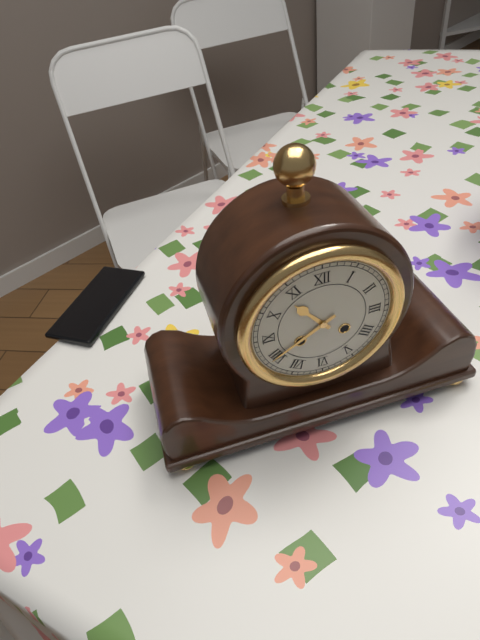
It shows 10.40
